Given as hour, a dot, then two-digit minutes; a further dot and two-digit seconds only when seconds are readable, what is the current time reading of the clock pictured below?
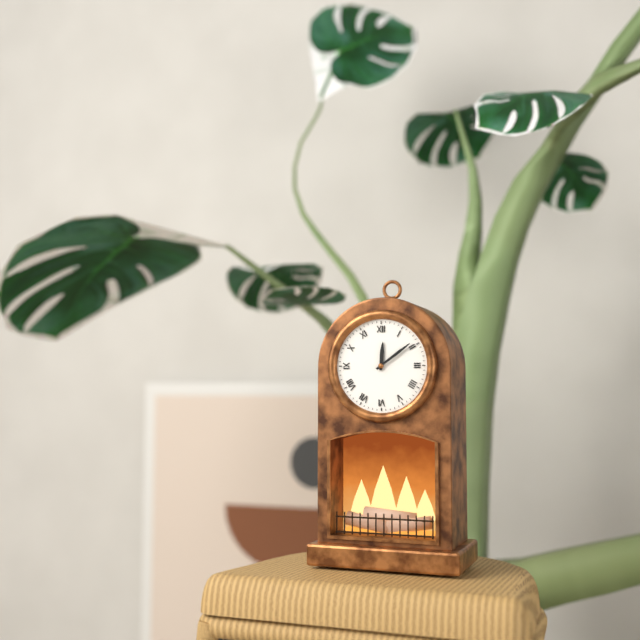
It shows 12.09
